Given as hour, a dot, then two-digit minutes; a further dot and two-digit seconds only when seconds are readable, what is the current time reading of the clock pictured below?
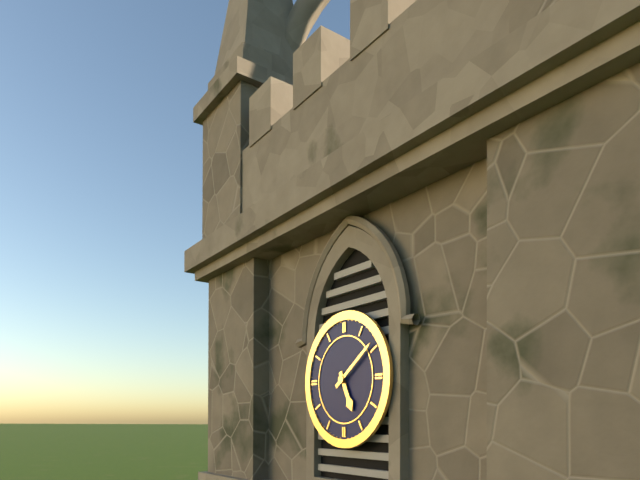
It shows 5.09
